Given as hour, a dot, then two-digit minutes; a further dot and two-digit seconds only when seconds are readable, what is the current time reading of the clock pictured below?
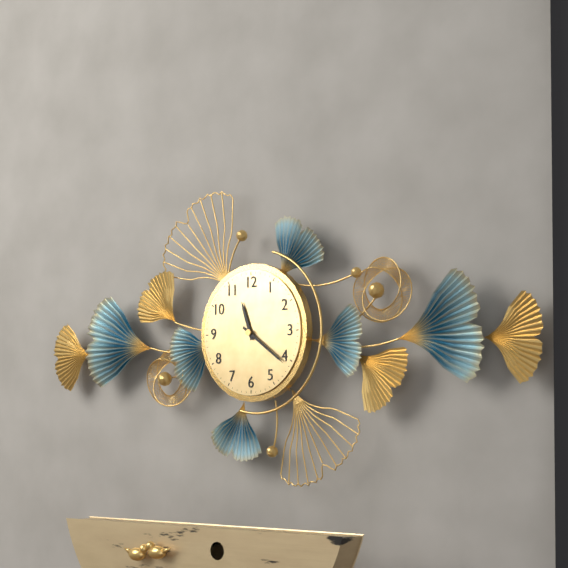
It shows 11.21
